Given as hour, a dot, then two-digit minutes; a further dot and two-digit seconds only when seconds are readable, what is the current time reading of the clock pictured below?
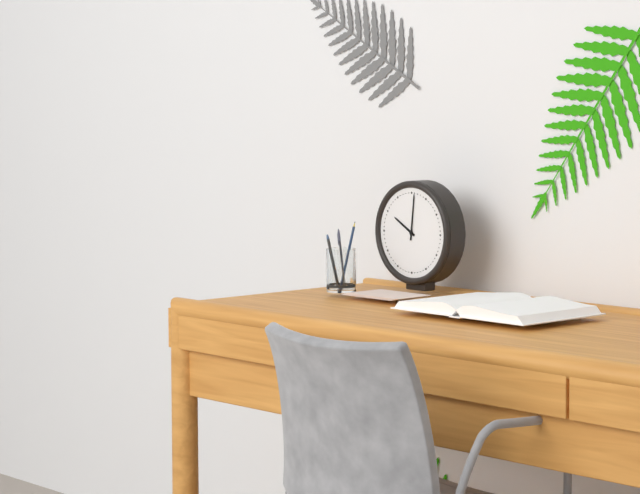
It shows 10.01
